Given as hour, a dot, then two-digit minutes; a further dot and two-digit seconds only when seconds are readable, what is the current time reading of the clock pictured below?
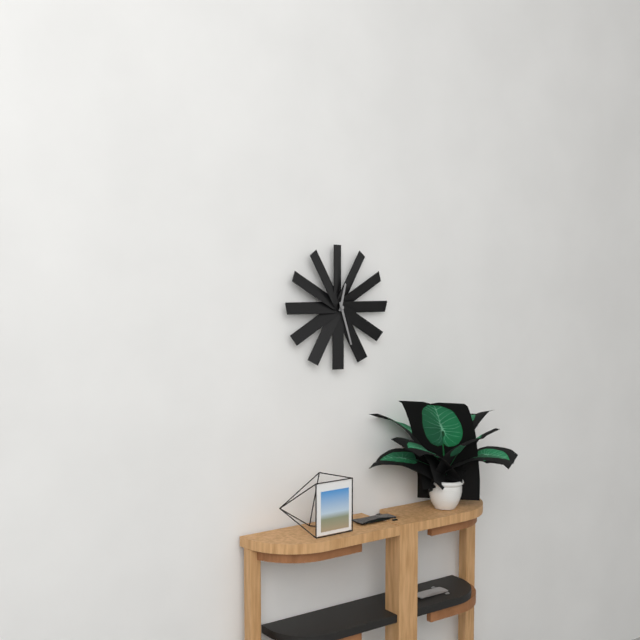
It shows 12.27
